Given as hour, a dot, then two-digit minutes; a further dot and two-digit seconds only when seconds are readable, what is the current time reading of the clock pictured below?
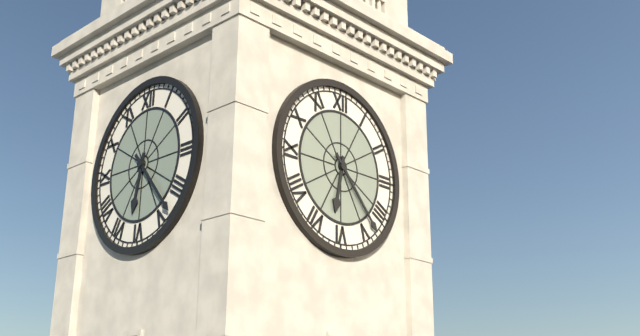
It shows 6.23
